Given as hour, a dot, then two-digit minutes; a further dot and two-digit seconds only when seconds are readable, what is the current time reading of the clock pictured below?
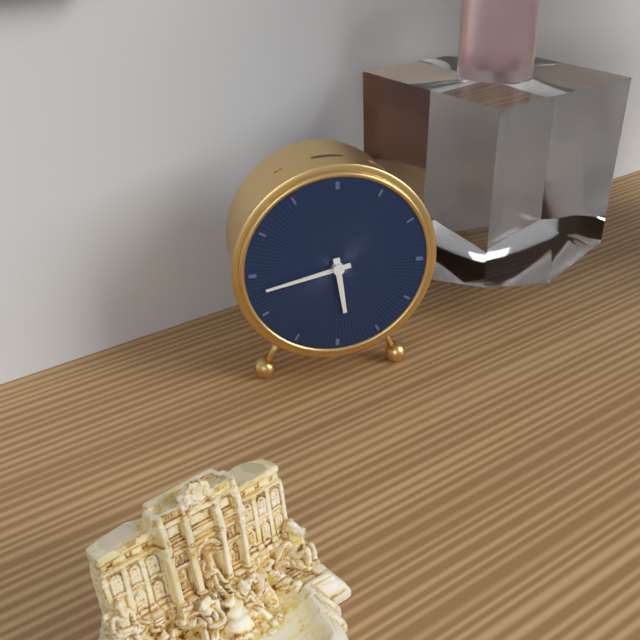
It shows 5.43
